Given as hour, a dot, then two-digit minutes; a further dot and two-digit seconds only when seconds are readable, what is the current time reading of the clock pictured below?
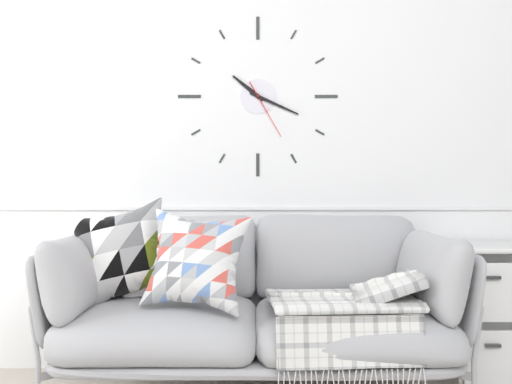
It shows 10.19.25
